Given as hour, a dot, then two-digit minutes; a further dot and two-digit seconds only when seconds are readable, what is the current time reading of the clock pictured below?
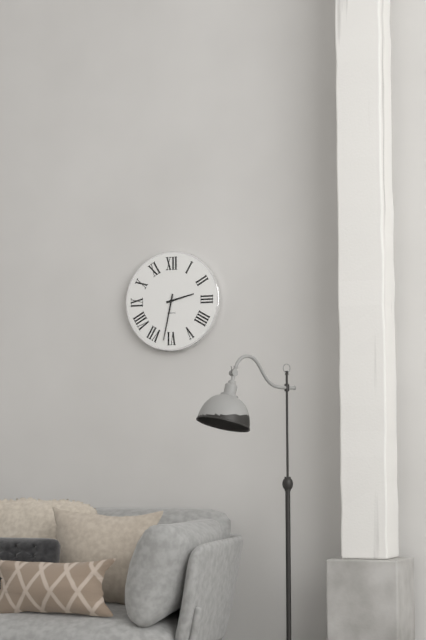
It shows 2.32
